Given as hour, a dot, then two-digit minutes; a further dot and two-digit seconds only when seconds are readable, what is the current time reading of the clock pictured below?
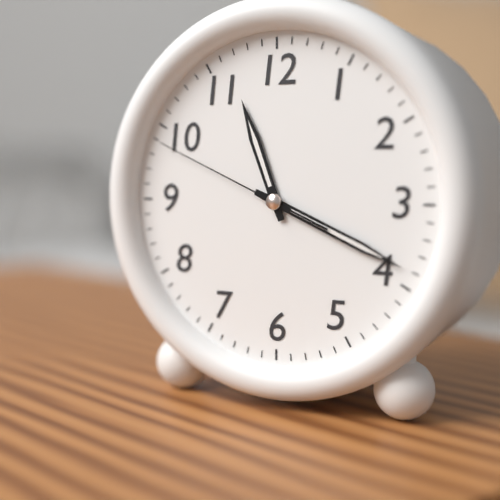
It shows 11.19.49
